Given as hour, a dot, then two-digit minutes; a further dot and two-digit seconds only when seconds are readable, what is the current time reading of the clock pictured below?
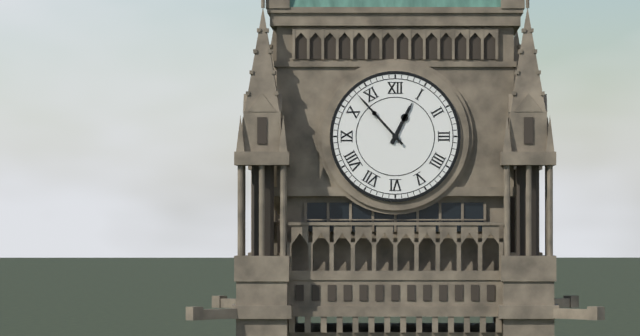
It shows 12.53
